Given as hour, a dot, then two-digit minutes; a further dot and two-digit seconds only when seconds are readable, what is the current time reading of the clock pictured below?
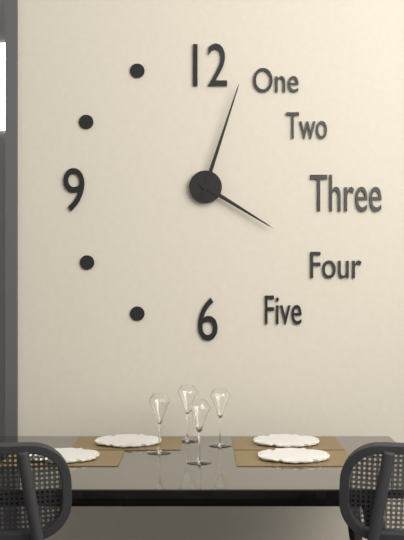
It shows 4.03
